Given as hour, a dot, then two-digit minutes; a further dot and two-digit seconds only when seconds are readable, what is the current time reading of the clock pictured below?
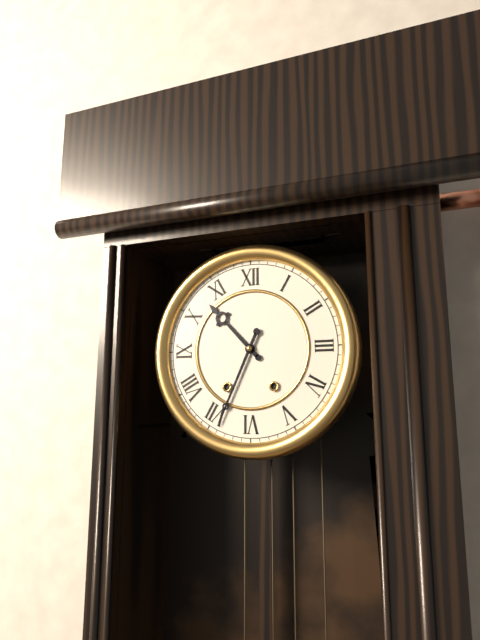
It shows 10.34
